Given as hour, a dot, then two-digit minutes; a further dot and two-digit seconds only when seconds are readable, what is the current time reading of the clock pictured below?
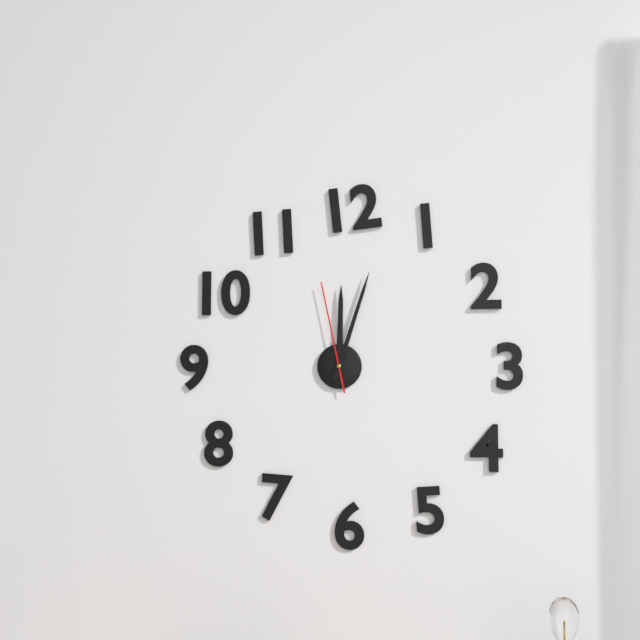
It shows 12.03.58
